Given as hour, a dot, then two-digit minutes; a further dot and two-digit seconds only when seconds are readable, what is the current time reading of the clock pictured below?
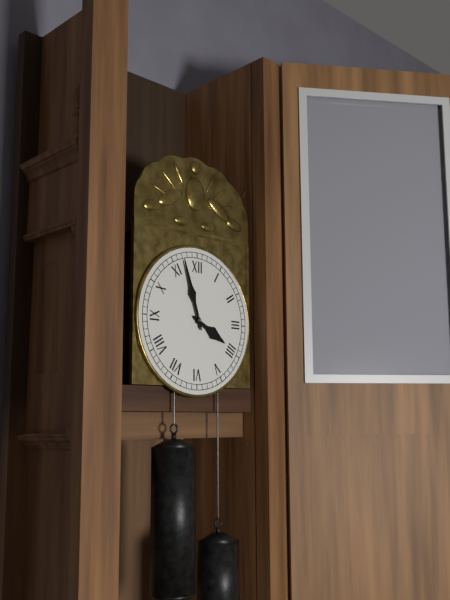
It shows 3.57
